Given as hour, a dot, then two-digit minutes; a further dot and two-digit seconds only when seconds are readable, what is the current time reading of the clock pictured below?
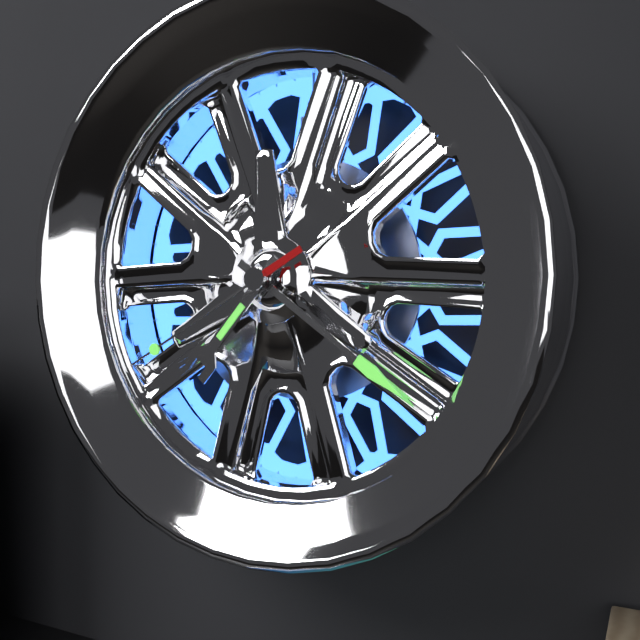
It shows 7.21.40
